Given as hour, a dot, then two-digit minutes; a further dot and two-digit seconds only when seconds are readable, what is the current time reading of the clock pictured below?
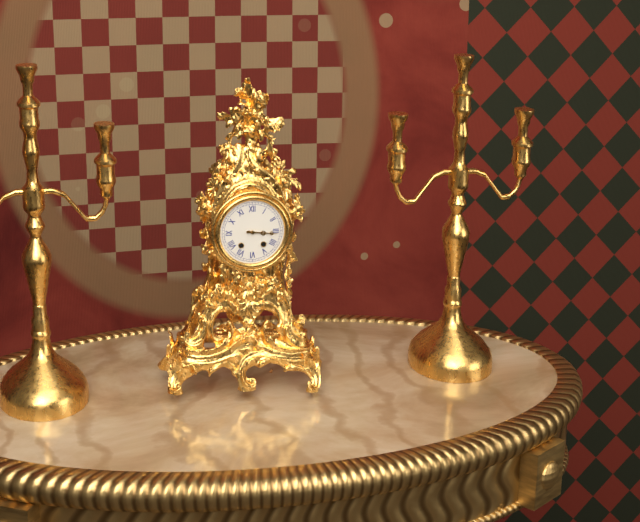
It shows 3.16
